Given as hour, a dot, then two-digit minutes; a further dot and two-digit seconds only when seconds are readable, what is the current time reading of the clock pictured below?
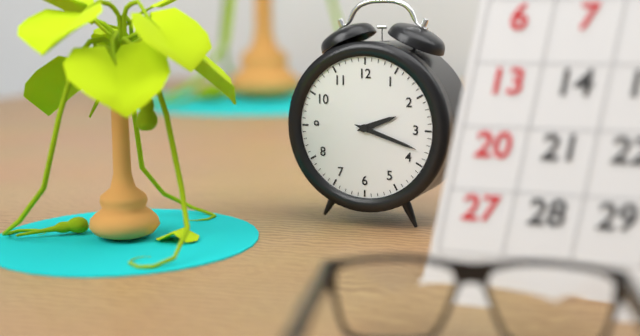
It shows 2.18
